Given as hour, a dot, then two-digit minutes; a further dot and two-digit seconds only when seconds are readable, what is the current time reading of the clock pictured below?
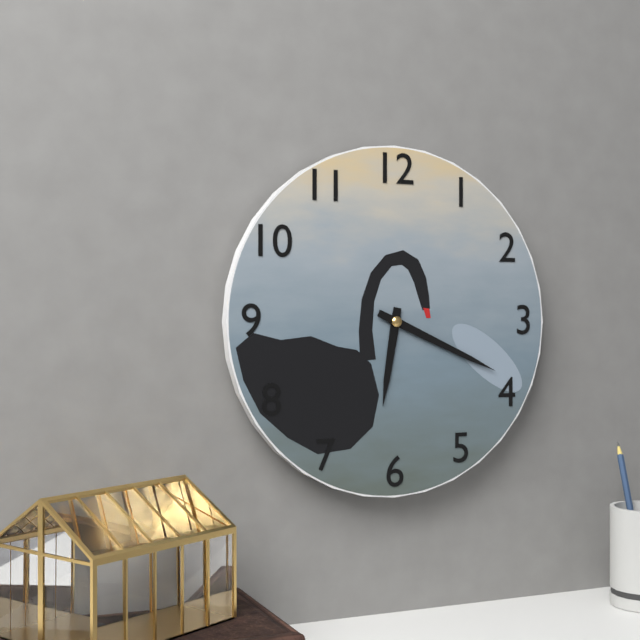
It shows 6.19
